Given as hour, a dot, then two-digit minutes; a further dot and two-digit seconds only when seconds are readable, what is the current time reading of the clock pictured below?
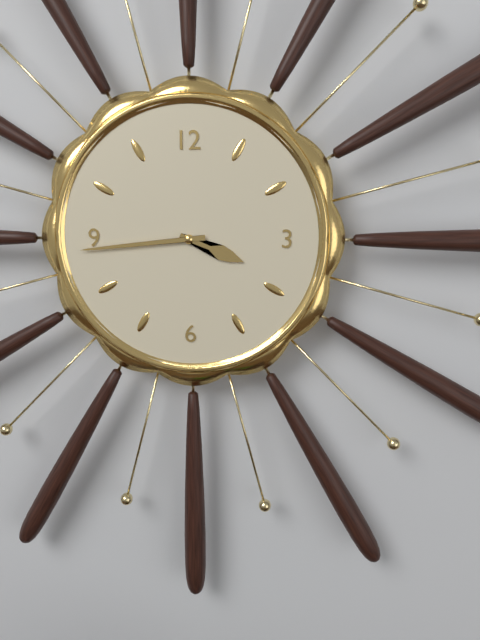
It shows 3.44
